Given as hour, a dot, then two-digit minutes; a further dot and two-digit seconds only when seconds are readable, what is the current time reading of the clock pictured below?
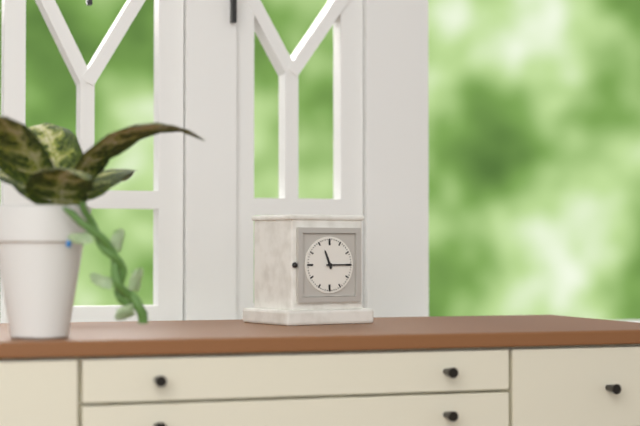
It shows 11.15
